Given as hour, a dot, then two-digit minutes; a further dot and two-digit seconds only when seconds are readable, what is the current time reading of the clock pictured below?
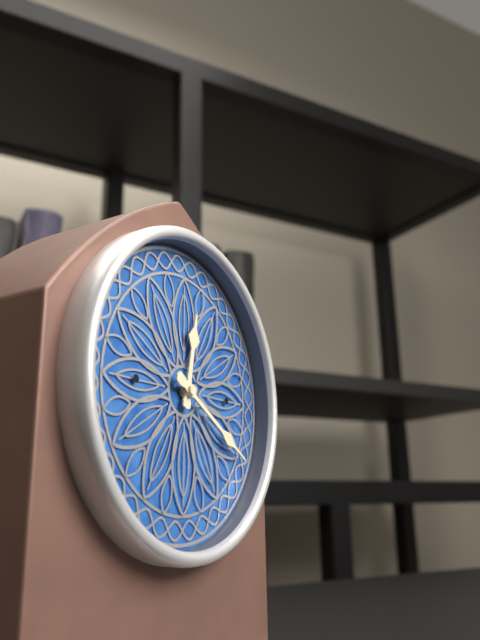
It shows 12.20
